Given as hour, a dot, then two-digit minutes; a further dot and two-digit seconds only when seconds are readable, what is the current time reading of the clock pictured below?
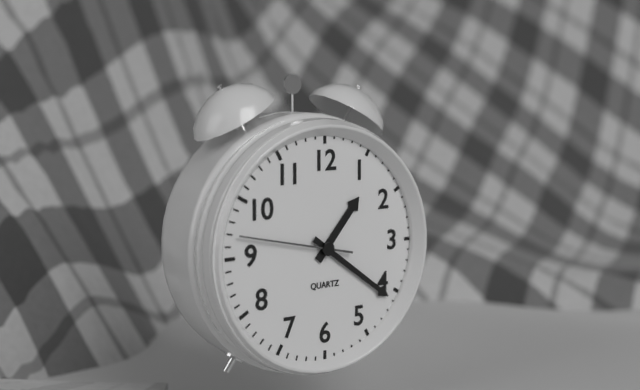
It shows 1.21.47
